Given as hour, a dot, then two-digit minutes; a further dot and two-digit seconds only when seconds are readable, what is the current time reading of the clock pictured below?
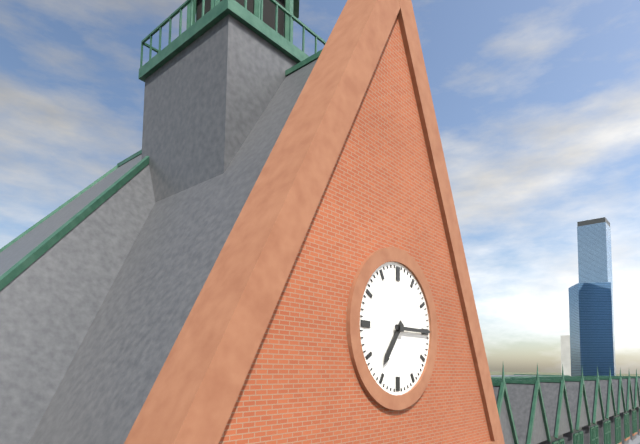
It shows 7.15
